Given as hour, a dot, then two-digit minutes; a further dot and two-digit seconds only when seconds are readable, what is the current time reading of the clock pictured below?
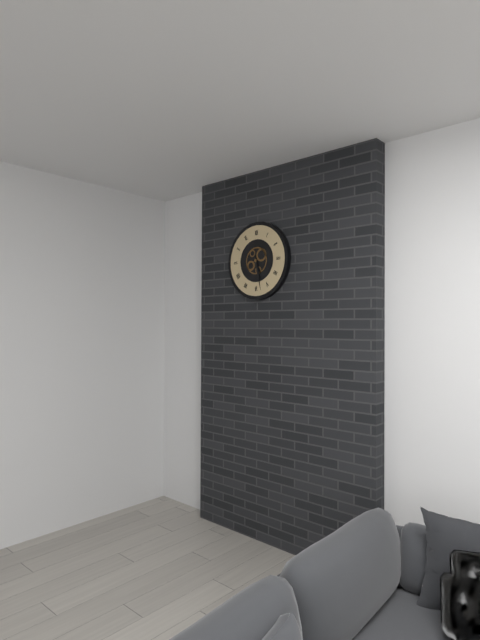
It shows 5.28
